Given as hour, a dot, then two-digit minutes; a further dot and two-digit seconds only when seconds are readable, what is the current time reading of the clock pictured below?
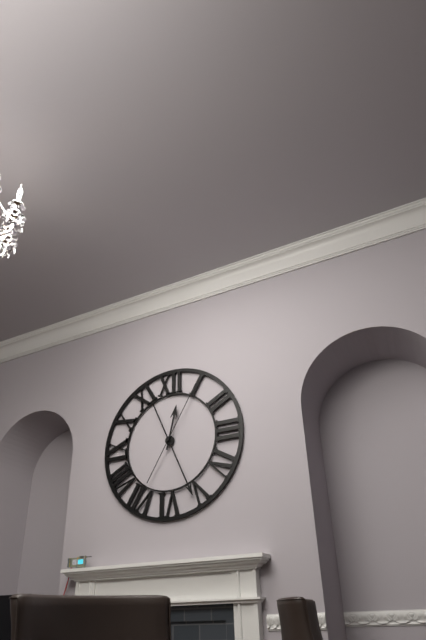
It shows 12.26.05
